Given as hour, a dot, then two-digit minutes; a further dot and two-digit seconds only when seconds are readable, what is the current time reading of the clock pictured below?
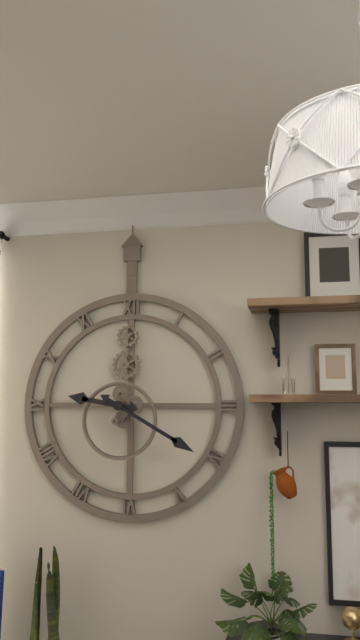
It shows 9.20
